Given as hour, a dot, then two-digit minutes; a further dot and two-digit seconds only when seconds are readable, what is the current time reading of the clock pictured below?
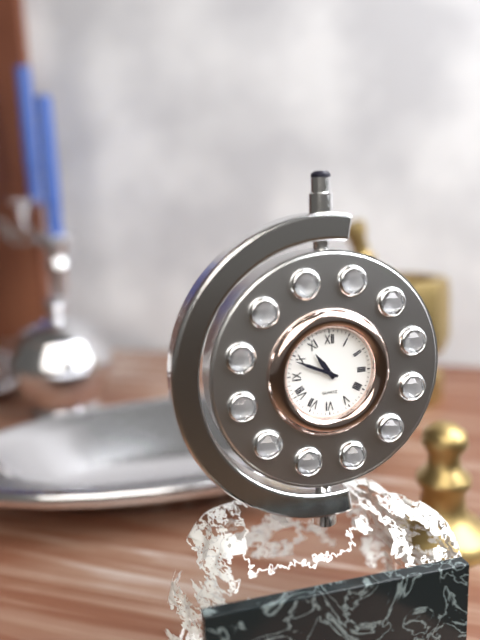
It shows 10.49
